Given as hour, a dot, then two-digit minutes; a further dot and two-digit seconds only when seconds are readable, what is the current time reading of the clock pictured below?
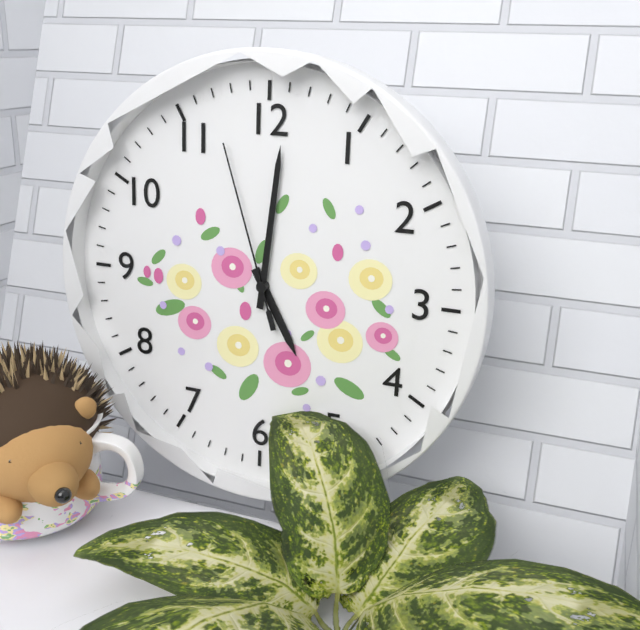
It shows 5.01.57
